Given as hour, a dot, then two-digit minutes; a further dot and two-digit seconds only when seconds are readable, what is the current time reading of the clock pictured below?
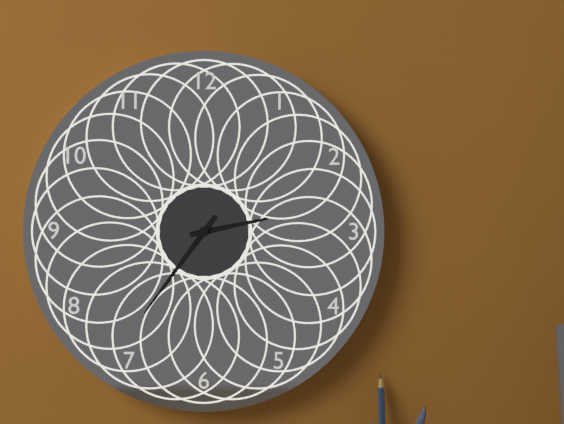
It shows 2.36
